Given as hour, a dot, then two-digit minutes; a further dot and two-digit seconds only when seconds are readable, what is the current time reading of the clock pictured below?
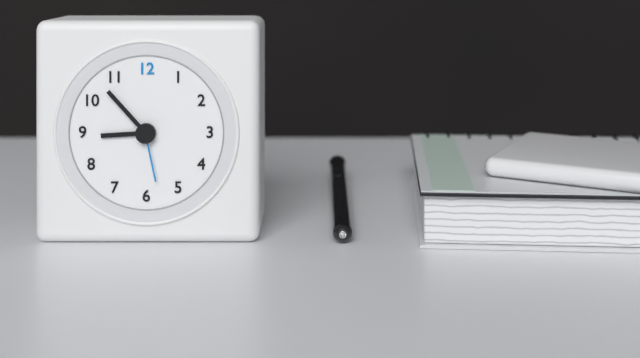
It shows 8.53.28
